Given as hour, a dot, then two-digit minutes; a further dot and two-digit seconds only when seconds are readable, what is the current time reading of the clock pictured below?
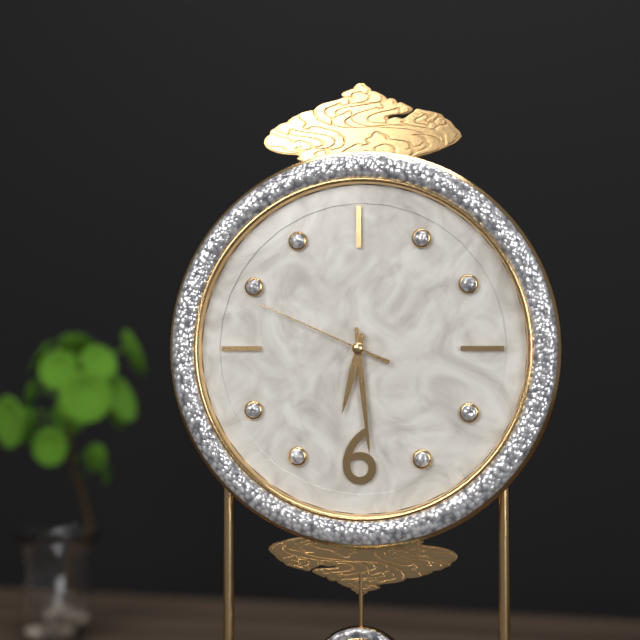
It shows 6.29.49
